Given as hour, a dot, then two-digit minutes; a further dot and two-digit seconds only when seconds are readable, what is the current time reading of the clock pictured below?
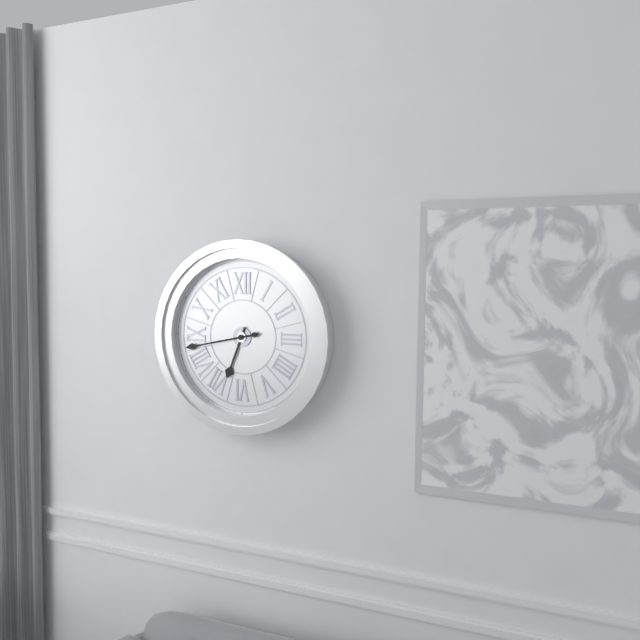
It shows 6.43
